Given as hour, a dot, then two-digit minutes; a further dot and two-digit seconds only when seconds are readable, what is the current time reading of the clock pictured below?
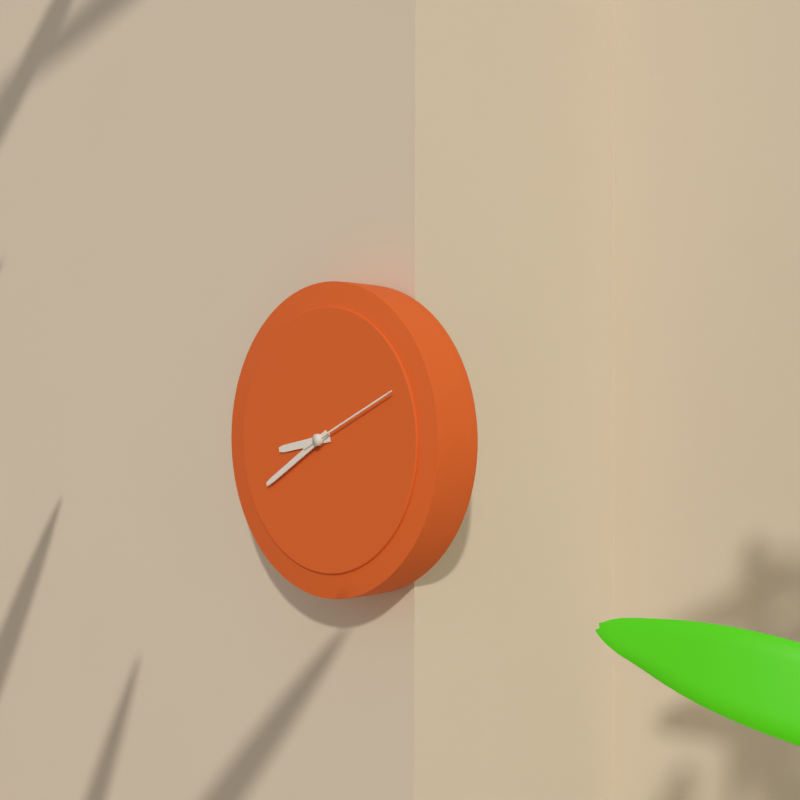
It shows 8.40.11
